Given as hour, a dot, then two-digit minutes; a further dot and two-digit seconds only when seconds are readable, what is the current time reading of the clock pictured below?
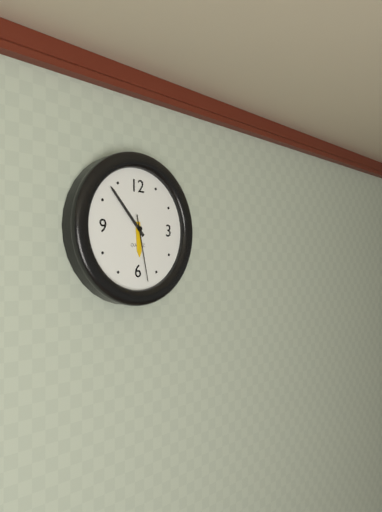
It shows 5.53.28
